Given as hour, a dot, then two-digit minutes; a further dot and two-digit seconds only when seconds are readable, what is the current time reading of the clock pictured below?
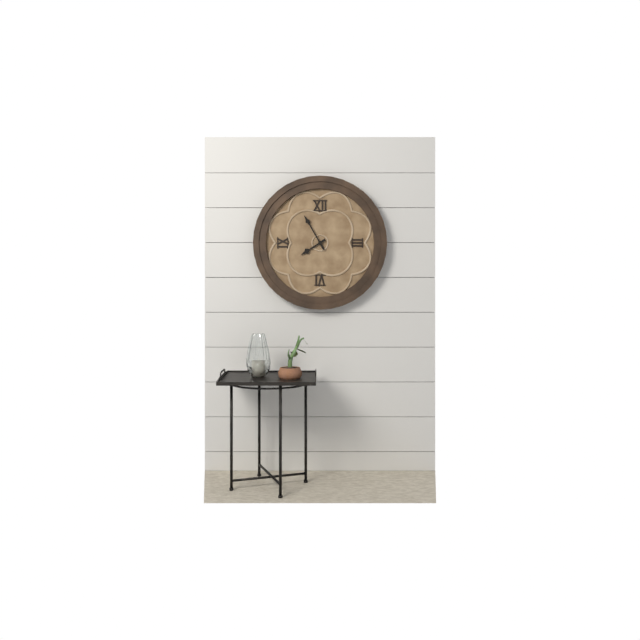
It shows 7.55
